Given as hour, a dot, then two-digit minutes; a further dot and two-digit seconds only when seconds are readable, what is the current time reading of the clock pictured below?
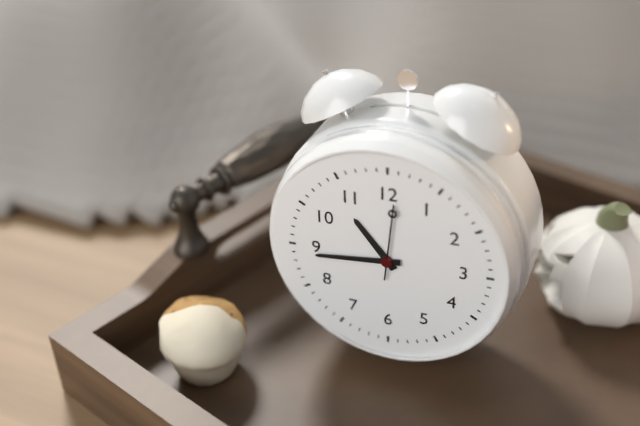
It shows 10.44.01
